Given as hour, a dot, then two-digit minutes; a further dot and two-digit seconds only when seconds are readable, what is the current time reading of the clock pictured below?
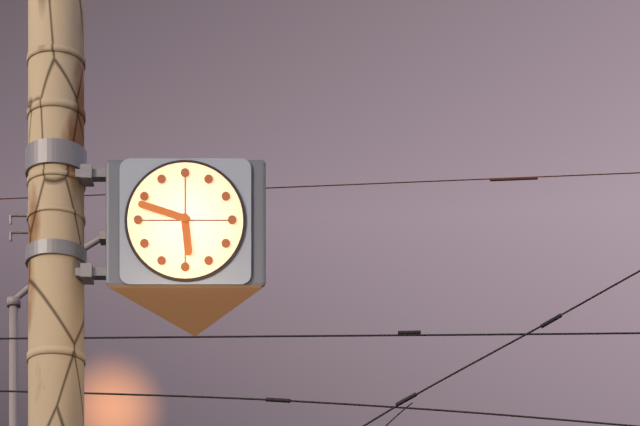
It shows 5.48
